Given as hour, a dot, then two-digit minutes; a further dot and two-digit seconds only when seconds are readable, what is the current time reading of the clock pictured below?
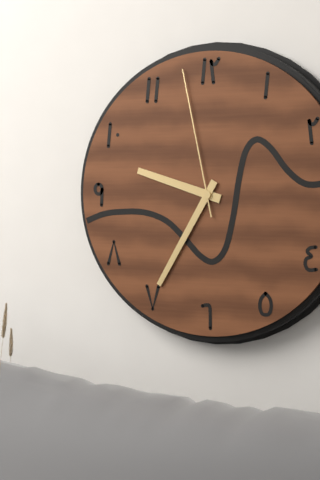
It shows 9.35.58
